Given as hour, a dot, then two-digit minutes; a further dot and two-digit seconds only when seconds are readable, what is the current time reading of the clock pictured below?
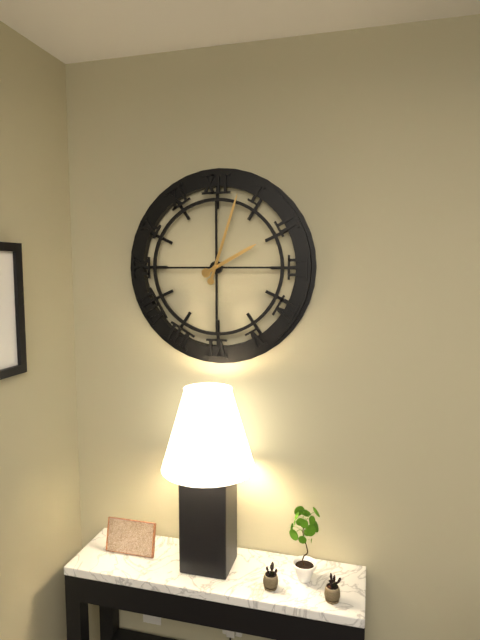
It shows 2.03
